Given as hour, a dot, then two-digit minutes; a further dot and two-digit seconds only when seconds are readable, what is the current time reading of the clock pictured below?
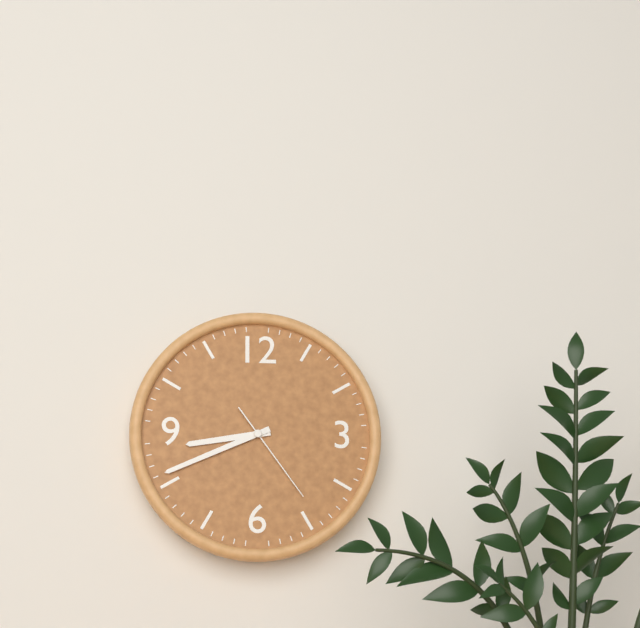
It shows 8.41.24
